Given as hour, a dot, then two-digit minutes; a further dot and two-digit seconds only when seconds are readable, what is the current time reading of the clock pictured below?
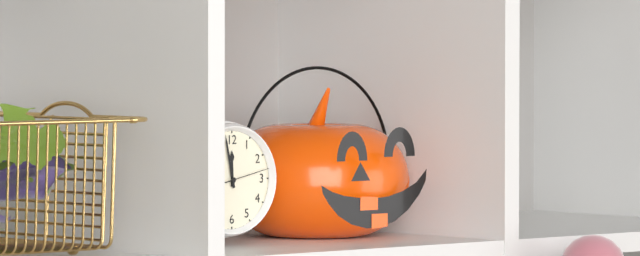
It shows 11.58
